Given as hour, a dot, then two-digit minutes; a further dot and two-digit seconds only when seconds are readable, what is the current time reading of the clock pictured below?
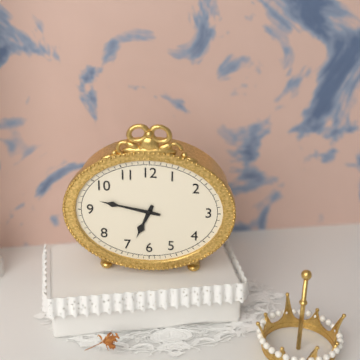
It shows 6.47
